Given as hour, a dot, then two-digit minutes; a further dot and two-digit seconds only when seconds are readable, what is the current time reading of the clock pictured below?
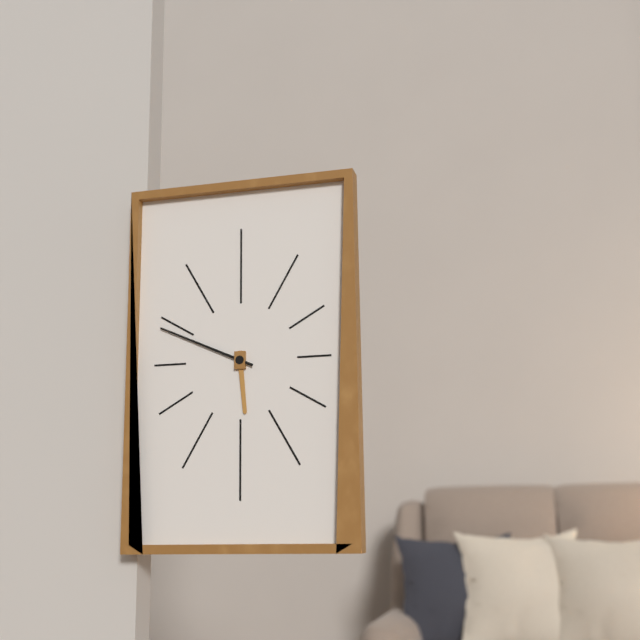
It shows 5.49
